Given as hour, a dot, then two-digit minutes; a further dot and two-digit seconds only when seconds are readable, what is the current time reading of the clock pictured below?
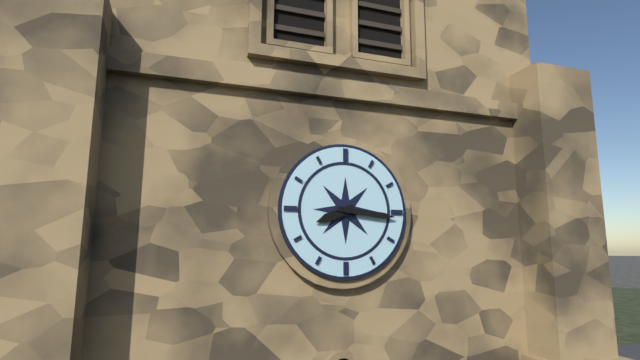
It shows 8.16
